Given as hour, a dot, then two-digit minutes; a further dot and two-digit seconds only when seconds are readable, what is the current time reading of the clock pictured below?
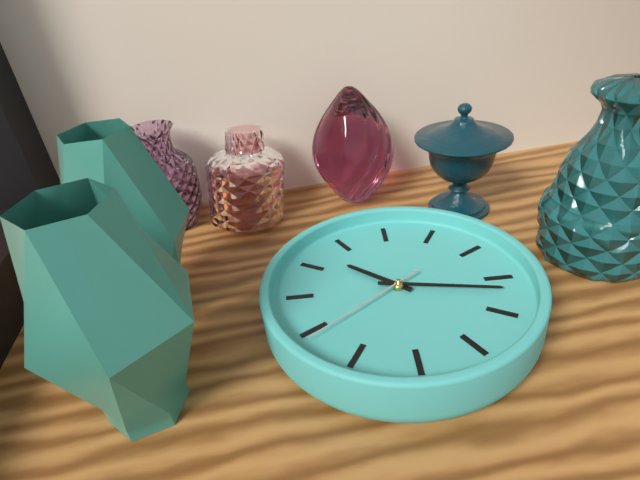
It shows 11.22.44
